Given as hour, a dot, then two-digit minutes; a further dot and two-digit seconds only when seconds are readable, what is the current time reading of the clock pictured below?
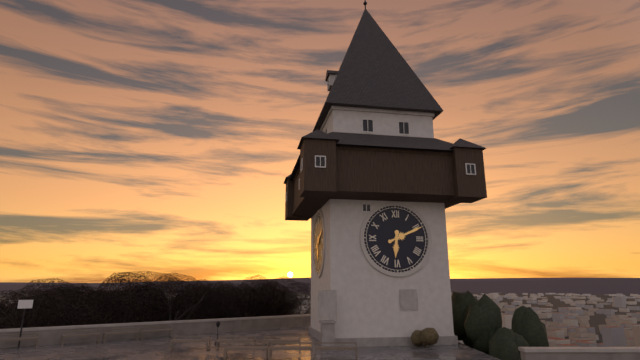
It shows 6.11
